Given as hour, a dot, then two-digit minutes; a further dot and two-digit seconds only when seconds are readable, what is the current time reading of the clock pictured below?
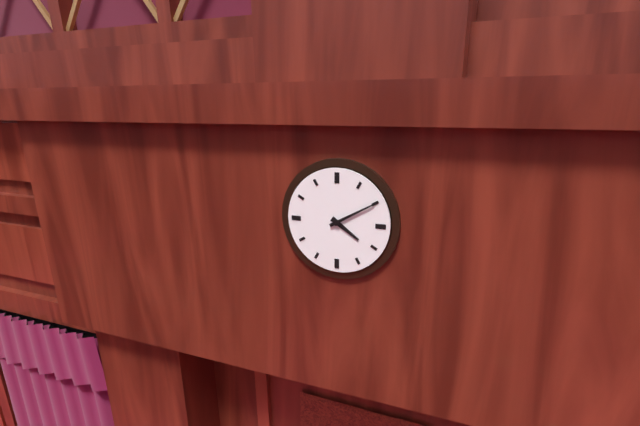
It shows 4.10
